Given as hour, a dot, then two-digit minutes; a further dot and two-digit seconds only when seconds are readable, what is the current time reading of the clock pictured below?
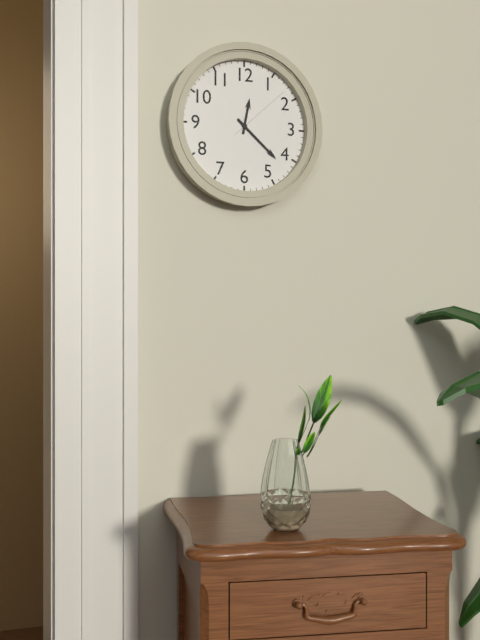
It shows 12.22.08
